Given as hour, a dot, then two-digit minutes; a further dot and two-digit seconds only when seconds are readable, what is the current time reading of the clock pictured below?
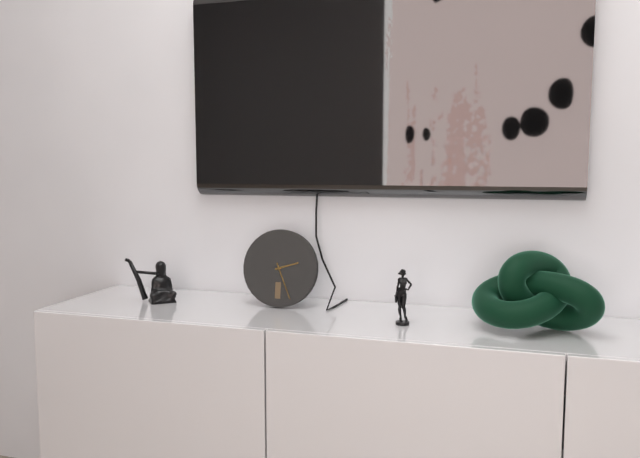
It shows 2.26
